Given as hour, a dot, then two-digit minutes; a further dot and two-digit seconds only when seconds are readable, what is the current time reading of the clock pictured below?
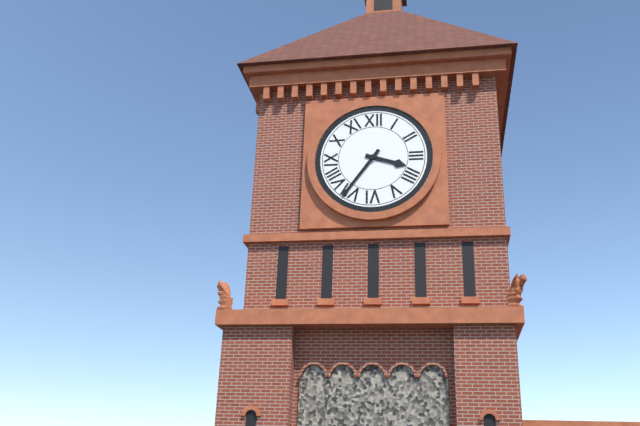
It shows 3.36
